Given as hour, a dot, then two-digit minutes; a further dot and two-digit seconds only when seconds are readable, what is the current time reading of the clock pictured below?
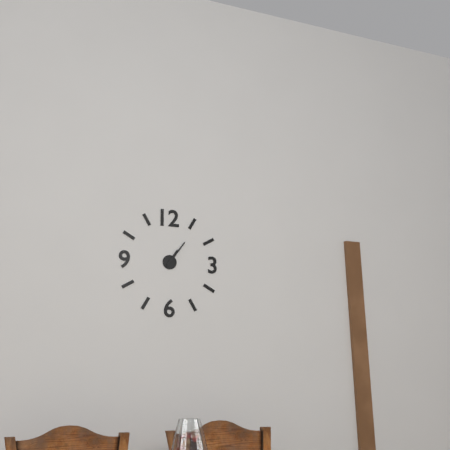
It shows 1.06
